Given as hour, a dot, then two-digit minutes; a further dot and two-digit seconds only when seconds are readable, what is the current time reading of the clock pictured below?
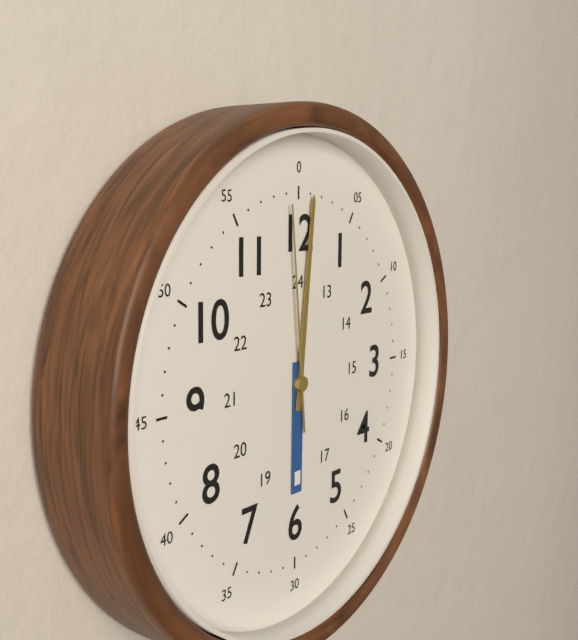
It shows 6.01.59
